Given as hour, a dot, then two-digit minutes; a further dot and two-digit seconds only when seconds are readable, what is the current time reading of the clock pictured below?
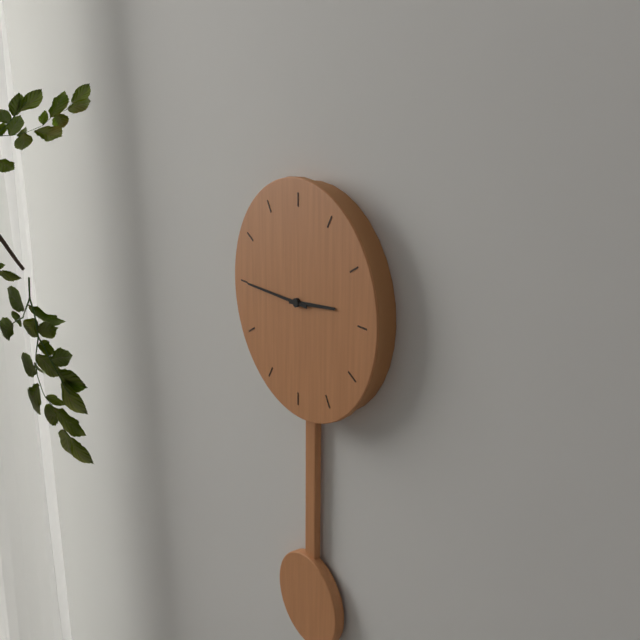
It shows 2.45
